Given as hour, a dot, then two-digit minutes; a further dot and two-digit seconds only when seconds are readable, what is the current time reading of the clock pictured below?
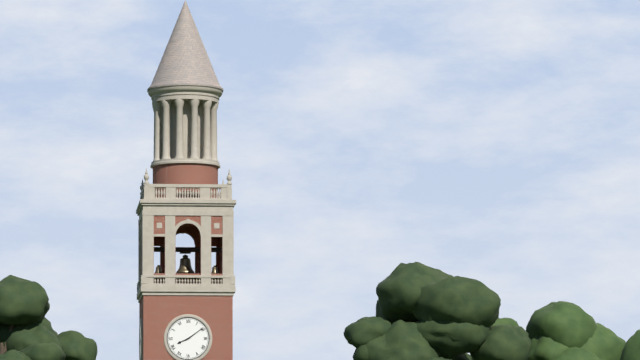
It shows 8.09
